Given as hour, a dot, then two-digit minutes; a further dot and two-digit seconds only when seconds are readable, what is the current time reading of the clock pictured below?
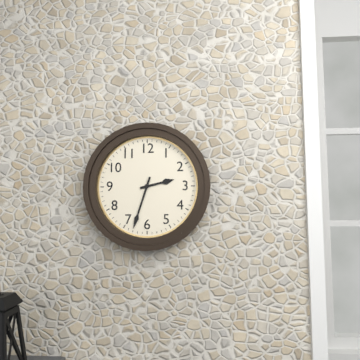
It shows 2.33
